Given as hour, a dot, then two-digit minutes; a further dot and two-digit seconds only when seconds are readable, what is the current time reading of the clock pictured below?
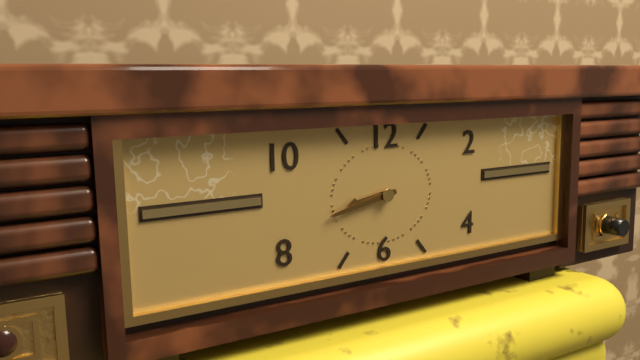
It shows 8.43
